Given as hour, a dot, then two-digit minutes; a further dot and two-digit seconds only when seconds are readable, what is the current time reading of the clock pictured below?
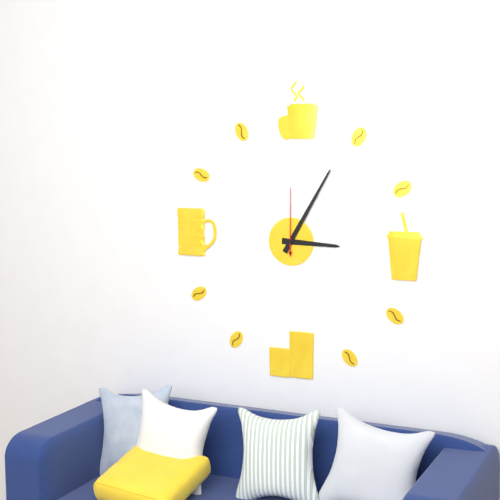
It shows 3.05.00
